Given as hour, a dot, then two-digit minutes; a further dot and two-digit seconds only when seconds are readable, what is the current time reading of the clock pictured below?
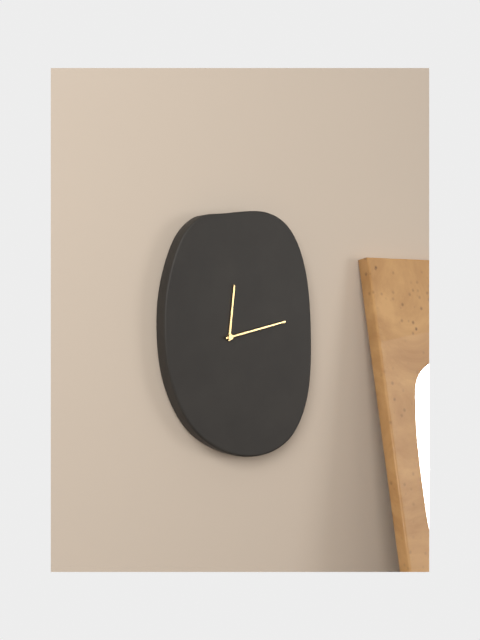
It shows 12.13
